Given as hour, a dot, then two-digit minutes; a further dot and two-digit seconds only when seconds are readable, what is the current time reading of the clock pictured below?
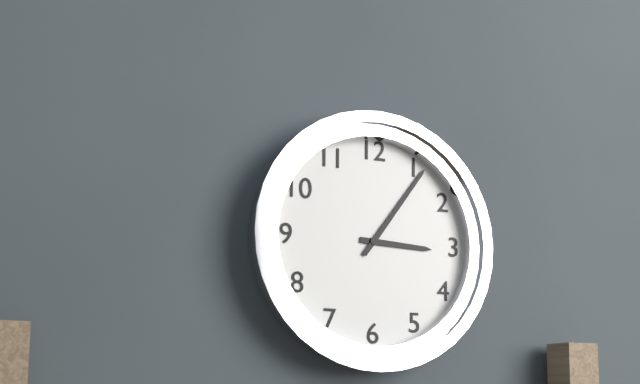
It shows 3.06
